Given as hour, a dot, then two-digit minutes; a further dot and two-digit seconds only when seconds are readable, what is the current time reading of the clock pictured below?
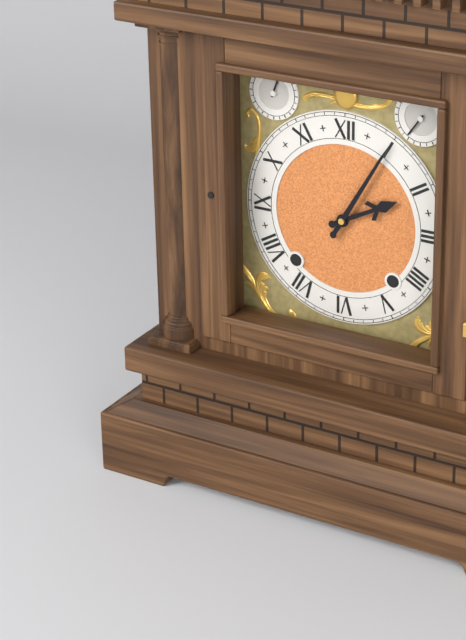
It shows 2.05
